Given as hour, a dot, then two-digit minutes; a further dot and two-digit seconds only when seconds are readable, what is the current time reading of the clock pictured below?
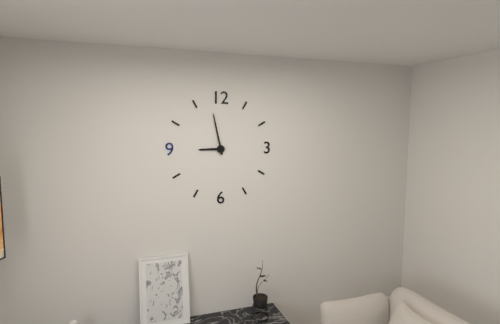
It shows 8.58
